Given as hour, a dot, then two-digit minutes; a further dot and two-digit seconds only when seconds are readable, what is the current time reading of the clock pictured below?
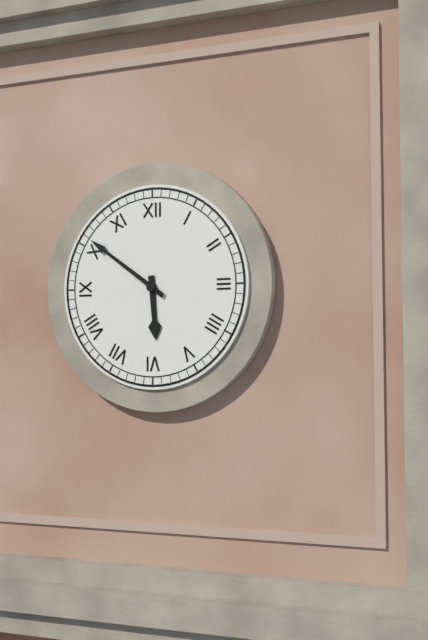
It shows 5.51
